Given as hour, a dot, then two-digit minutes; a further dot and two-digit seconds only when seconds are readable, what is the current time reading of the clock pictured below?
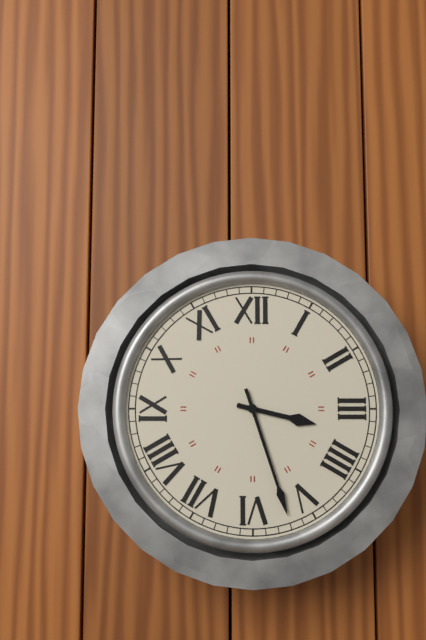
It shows 3.27
